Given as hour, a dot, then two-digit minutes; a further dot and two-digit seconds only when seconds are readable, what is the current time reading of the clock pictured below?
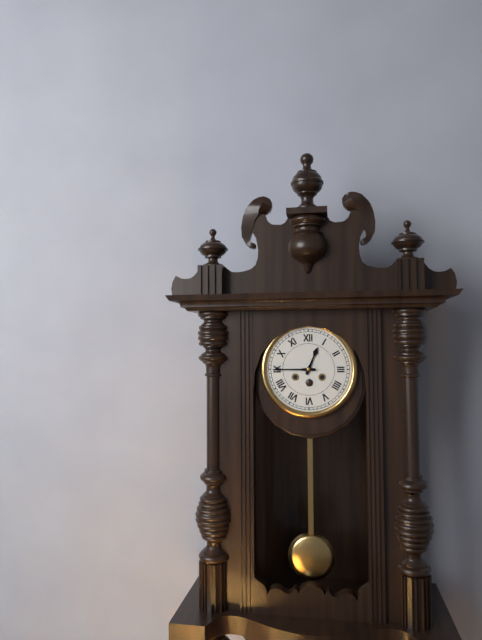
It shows 12.45
